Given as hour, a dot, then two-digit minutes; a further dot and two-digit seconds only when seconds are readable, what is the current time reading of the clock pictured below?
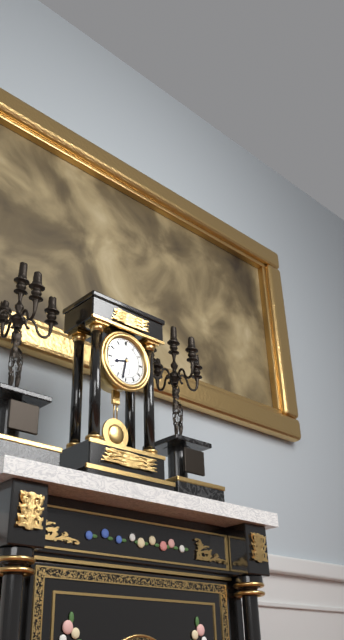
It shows 8.32
